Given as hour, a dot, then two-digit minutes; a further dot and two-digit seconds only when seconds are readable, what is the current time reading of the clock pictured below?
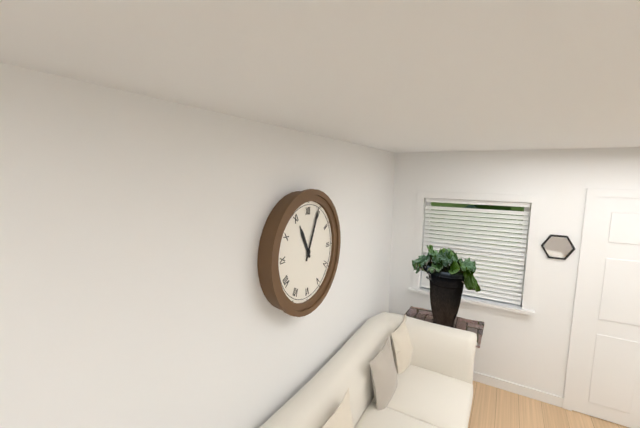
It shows 11.04
